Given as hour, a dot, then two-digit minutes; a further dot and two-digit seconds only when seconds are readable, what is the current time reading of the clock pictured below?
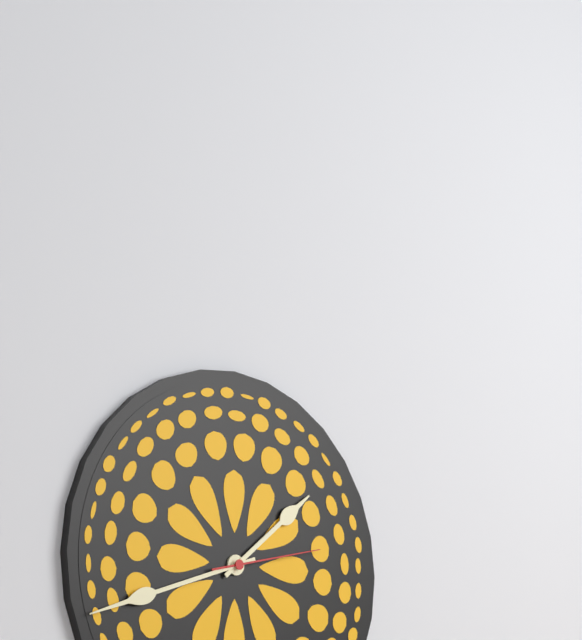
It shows 1.42.13
